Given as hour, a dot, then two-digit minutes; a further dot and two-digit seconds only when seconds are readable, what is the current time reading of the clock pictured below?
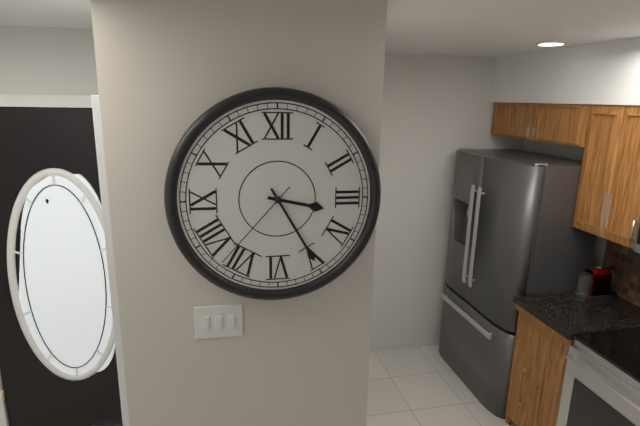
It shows 3.25.37
